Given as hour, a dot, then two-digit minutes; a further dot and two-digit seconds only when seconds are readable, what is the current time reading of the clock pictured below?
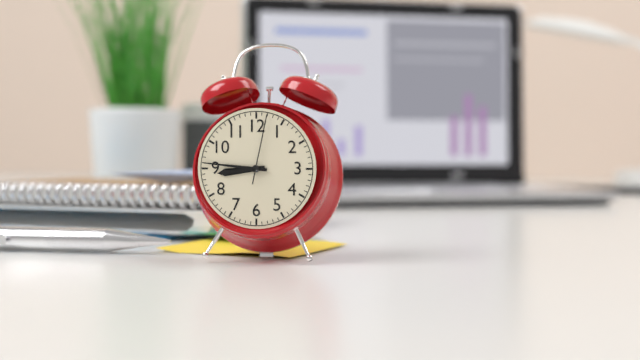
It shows 8.46.02
